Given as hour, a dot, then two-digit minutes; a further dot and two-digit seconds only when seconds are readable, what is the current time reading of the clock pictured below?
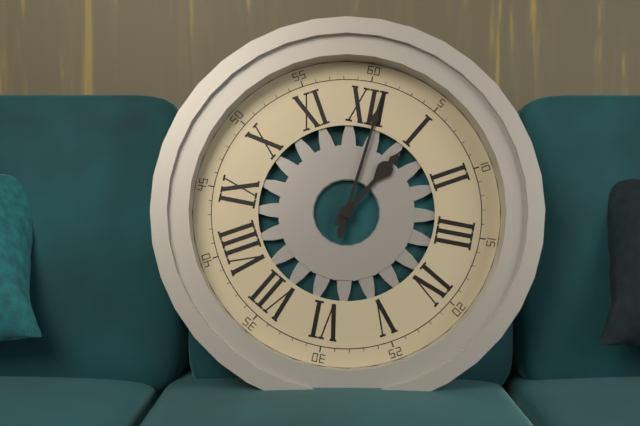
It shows 1.01
